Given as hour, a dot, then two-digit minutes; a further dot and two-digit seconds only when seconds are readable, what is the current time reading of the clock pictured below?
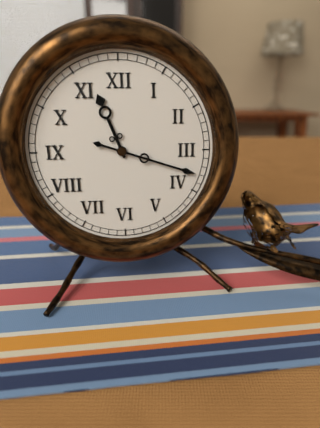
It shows 11.18
